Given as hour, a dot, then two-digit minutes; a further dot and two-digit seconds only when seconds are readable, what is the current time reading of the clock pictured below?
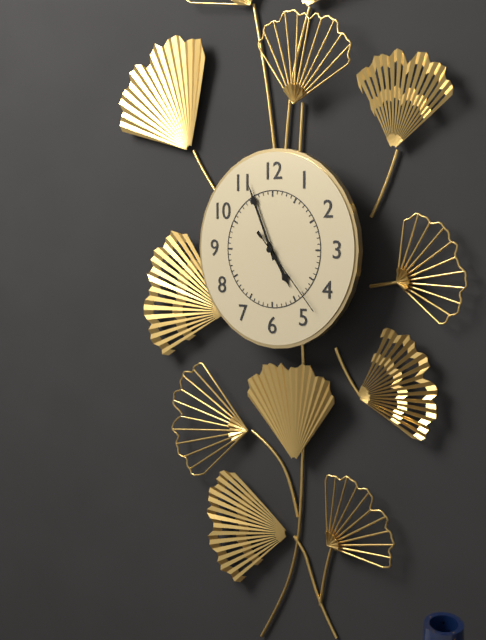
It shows 4.56.23
